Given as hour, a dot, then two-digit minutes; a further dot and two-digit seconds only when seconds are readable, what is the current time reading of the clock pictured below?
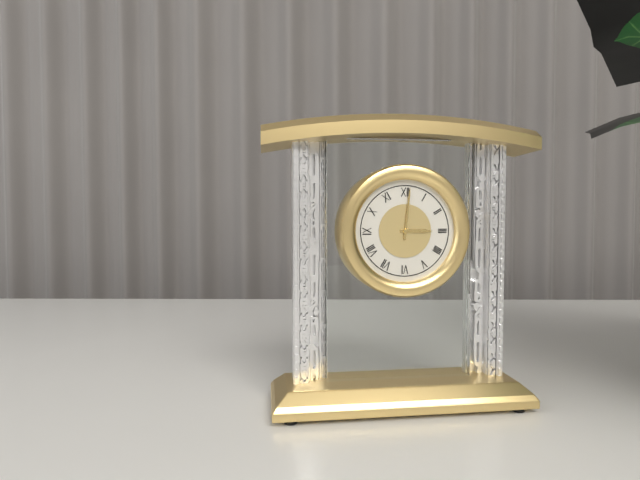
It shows 3.01
